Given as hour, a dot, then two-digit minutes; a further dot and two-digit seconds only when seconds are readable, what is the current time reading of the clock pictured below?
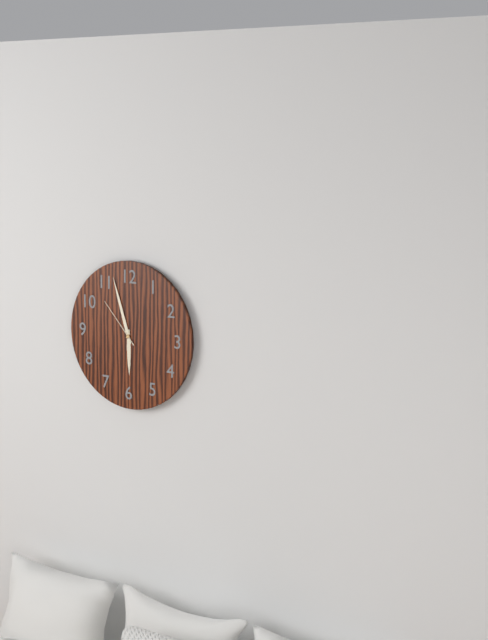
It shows 5.57.53
